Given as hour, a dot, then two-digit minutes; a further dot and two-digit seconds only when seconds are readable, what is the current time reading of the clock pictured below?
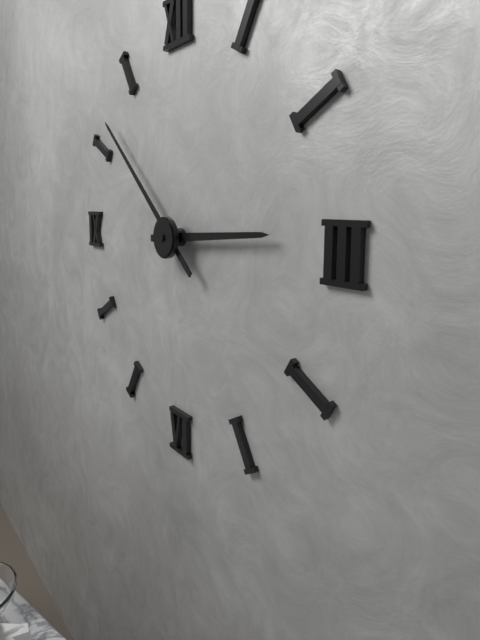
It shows 2.52
